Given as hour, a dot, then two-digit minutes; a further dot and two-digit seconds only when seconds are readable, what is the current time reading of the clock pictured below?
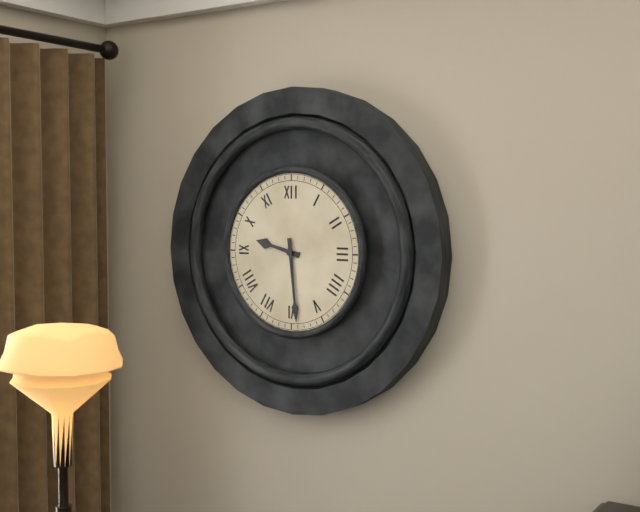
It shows 9.29
